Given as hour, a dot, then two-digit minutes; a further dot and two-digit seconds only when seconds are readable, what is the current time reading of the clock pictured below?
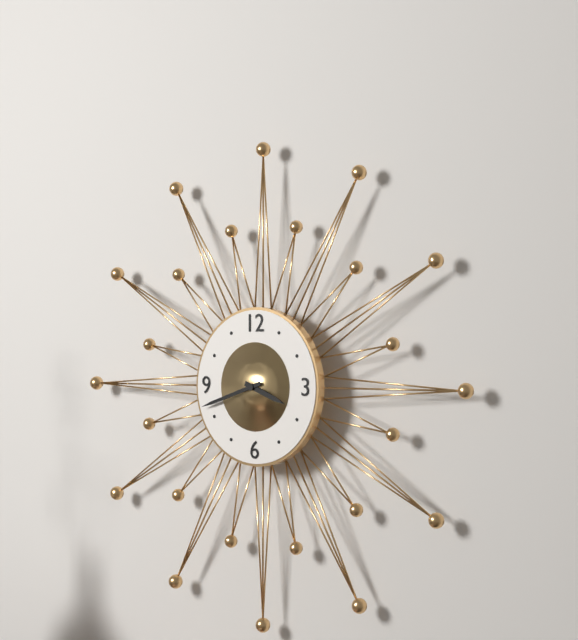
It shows 3.42
